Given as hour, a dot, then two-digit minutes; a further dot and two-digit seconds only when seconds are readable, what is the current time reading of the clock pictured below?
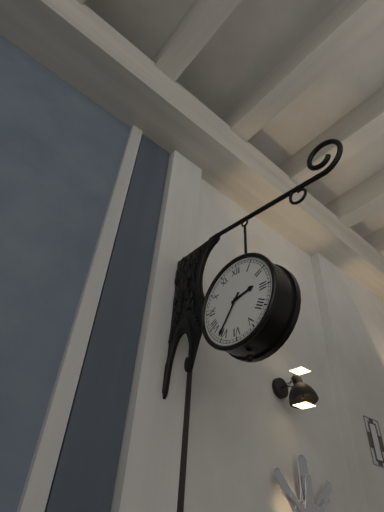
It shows 2.36
